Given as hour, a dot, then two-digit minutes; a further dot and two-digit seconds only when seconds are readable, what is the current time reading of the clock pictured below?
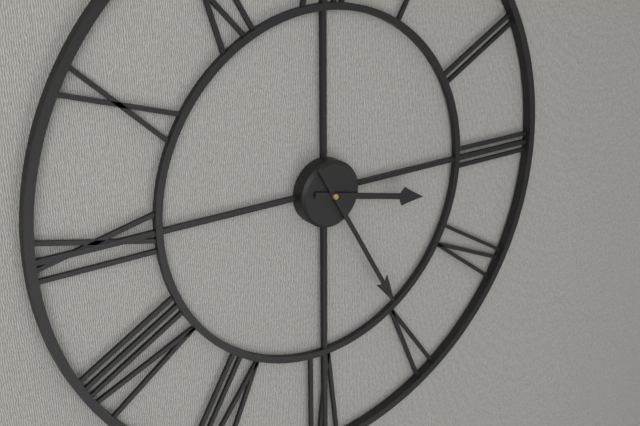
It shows 3.25
